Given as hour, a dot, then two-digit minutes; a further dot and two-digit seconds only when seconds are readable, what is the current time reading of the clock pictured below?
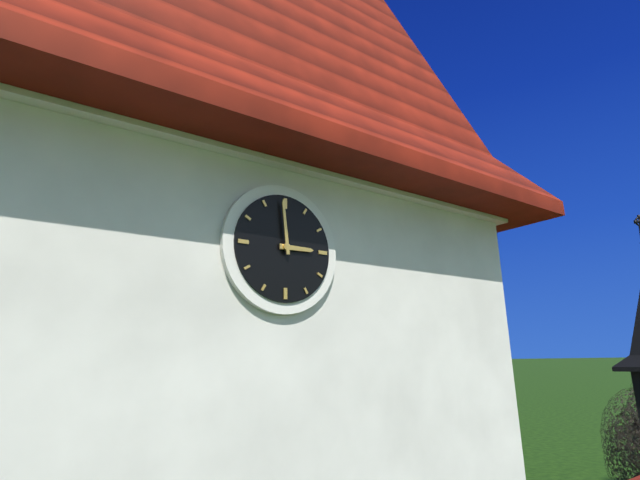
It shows 2.59
